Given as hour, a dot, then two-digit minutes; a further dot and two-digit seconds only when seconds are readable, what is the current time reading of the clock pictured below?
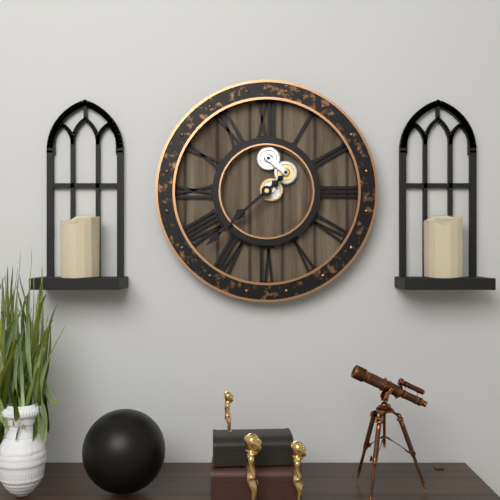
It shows 7.38
